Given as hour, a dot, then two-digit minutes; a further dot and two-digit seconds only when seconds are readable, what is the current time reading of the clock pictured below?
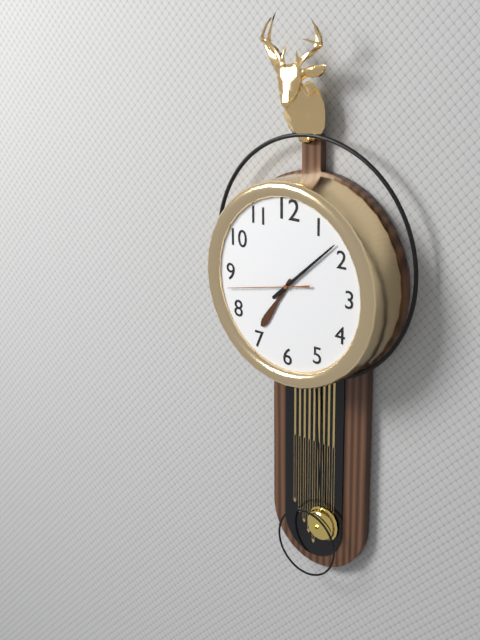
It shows 7.08.43
